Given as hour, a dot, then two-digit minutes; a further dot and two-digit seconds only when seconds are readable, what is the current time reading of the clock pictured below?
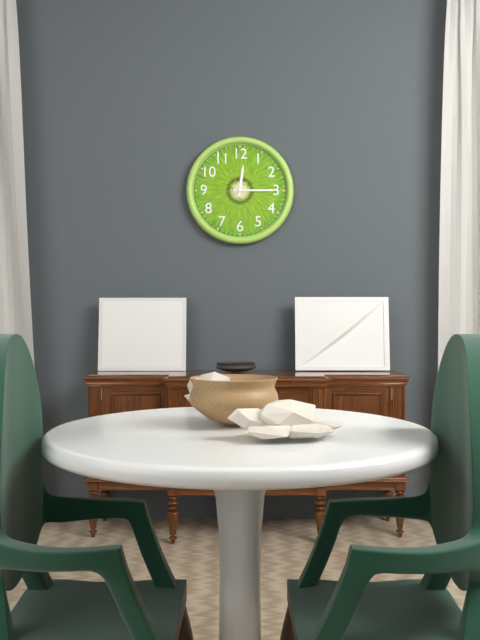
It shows 12.15
